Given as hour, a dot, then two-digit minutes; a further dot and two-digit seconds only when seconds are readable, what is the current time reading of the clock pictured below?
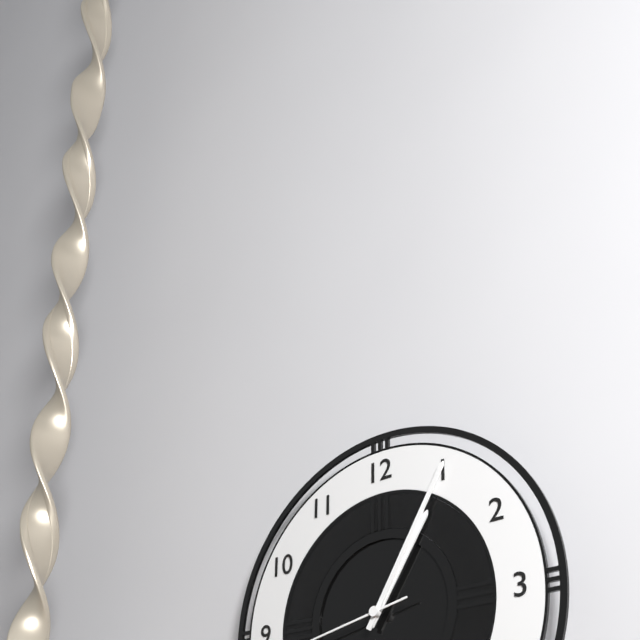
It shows 1.05
